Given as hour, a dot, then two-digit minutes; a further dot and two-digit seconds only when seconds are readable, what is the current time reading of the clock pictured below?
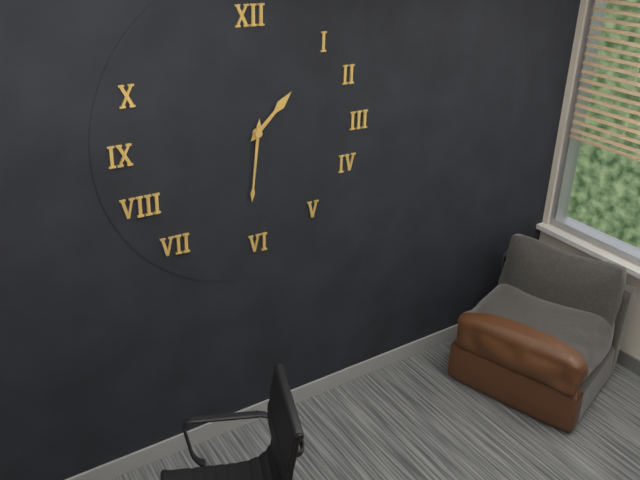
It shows 1.31
